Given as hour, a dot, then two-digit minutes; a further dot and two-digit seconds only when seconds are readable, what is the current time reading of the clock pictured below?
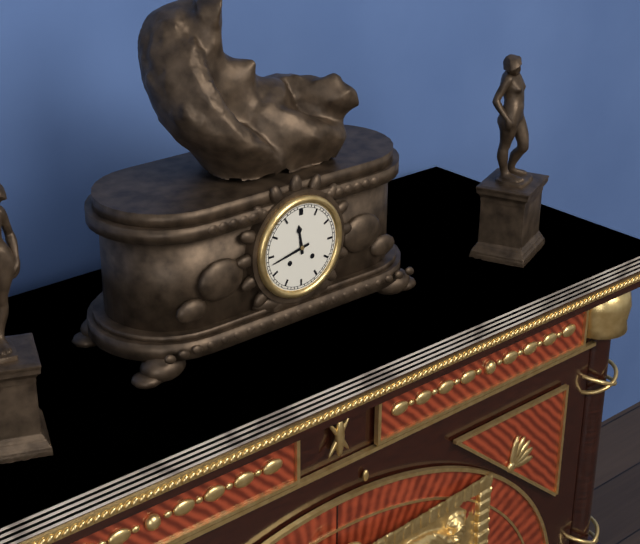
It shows 11.43
